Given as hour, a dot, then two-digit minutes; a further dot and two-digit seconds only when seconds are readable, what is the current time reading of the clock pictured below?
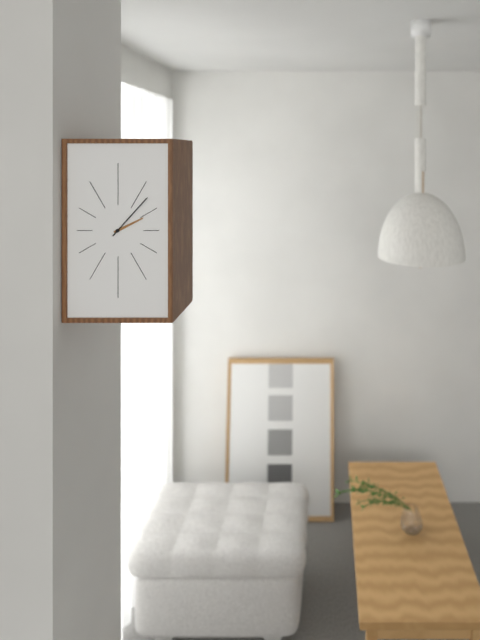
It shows 2.07
